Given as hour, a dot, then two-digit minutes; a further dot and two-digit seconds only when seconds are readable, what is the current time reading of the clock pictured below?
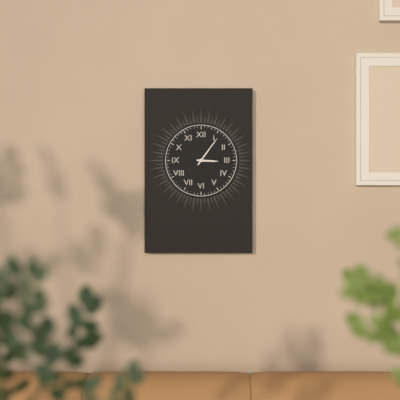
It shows 3.06
